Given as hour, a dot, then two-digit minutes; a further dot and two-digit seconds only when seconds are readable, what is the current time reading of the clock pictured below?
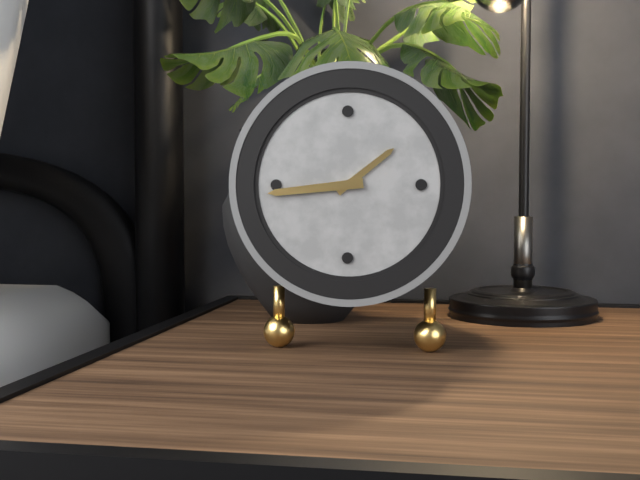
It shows 1.44
